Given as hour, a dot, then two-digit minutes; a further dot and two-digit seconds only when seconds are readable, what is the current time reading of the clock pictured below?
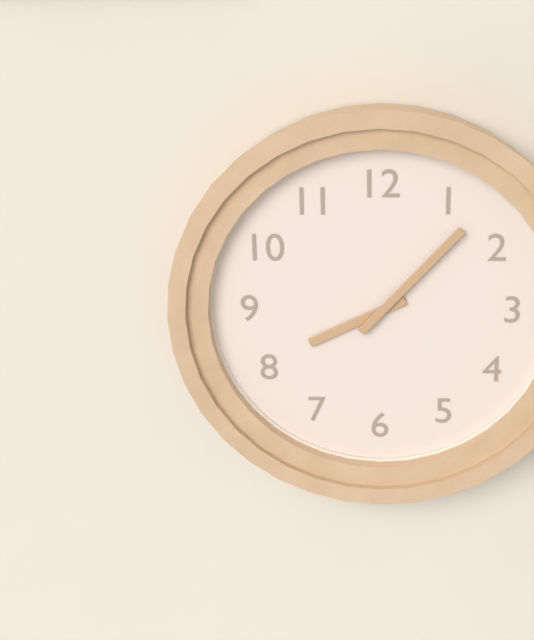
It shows 8.07
